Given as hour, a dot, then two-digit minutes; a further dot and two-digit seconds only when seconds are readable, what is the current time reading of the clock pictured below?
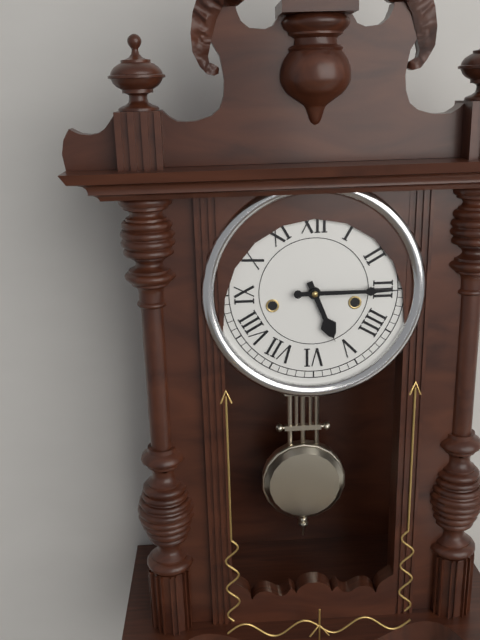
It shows 5.15
